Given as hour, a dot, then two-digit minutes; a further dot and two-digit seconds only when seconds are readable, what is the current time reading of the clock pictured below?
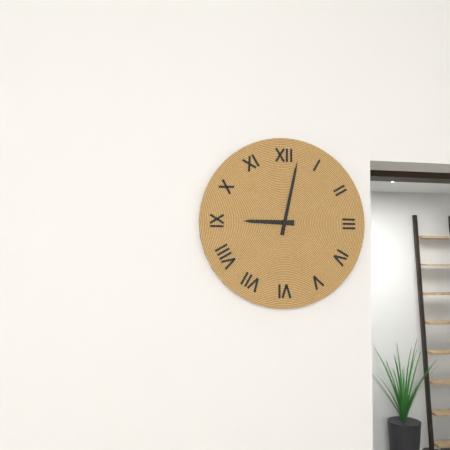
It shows 9.02
